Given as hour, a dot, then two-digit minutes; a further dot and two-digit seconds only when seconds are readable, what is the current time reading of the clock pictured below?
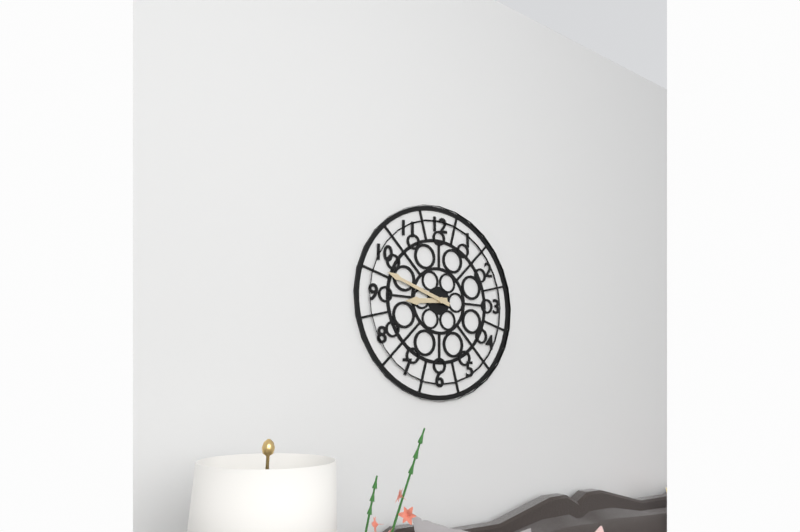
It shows 8.48
